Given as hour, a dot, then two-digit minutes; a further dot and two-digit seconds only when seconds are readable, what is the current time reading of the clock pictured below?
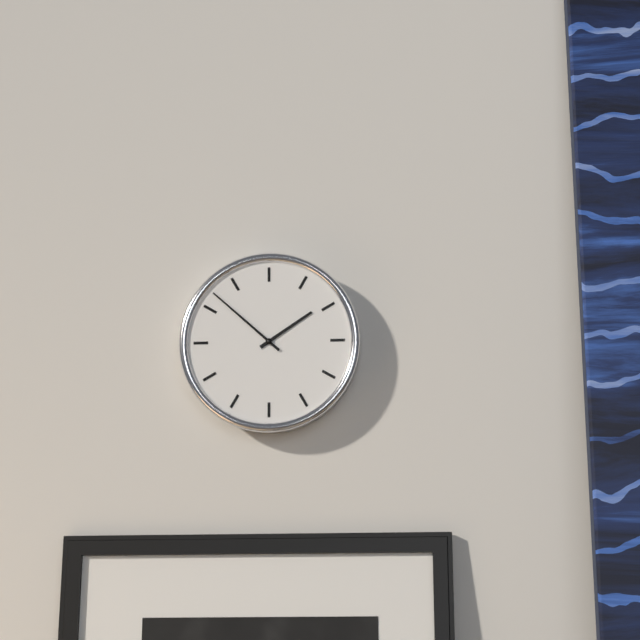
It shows 1.52
